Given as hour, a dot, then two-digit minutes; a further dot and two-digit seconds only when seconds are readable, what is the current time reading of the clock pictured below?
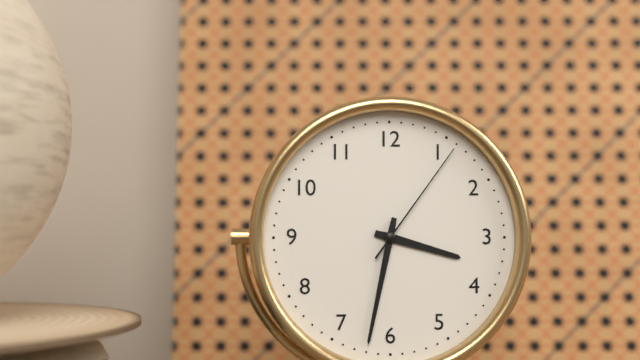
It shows 3.32.06
